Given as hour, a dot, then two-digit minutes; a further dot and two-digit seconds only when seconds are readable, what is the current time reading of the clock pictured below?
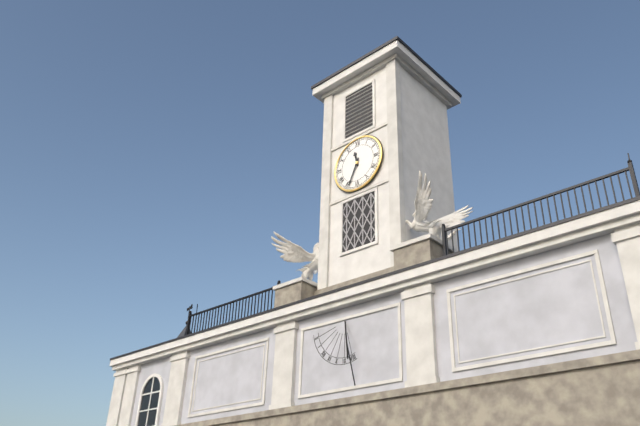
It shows 11.34
